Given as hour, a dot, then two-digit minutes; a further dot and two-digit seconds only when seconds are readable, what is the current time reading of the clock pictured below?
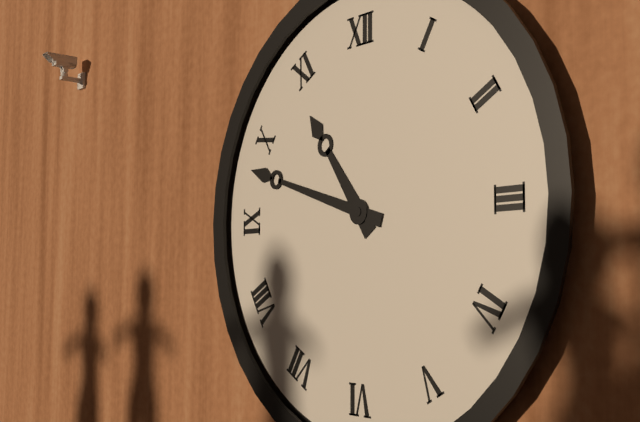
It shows 10.48
